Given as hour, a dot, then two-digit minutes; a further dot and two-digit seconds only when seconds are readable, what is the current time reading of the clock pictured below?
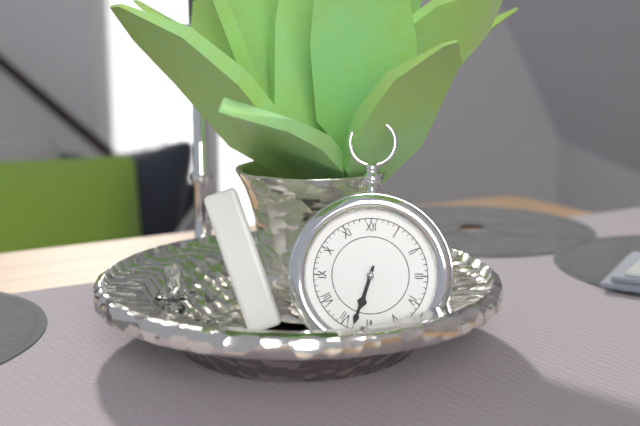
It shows 6.33
